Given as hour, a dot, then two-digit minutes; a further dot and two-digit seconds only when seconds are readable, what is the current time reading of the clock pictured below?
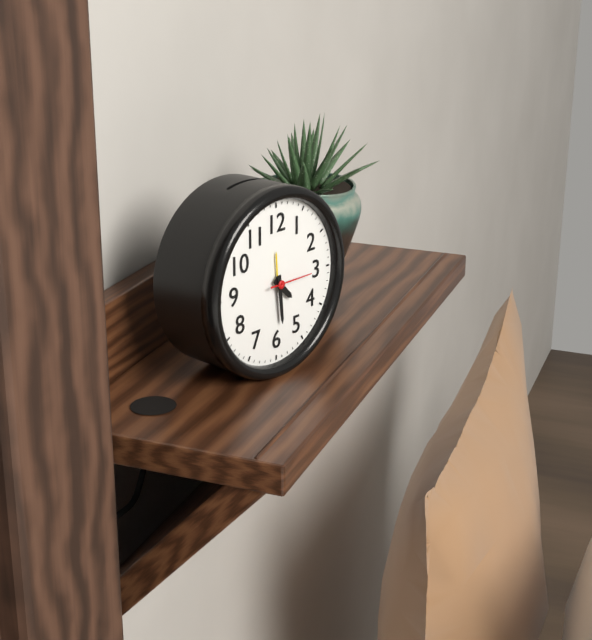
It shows 4.29
